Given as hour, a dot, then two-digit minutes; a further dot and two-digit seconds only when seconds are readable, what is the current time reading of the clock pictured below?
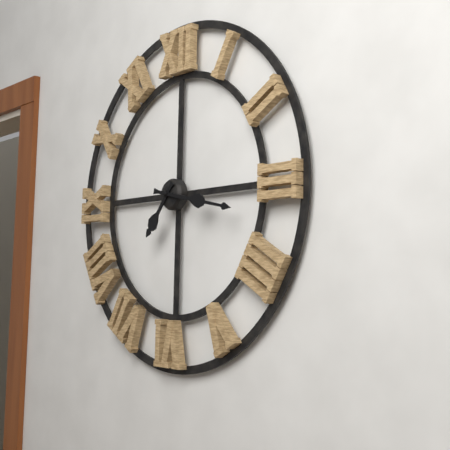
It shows 7.17
